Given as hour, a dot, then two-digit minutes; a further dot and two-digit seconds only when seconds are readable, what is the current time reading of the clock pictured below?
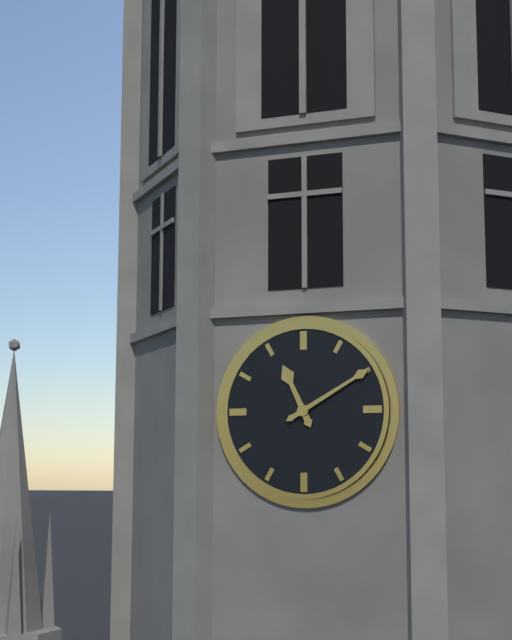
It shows 11.10
